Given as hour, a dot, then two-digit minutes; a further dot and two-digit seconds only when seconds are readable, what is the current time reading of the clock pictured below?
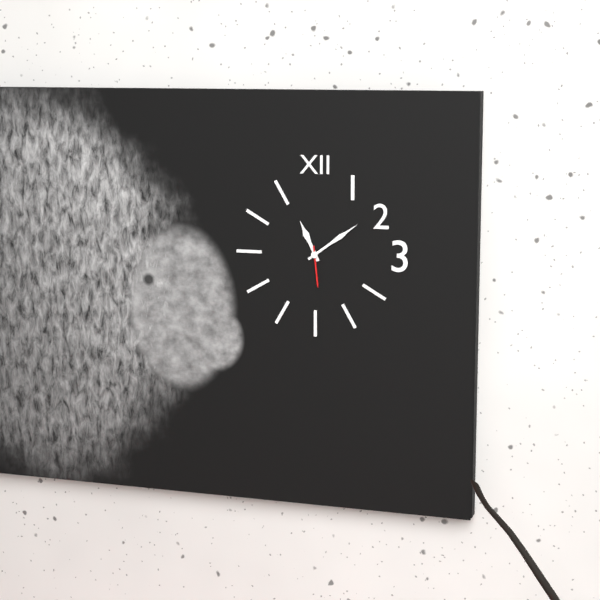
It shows 11.09
